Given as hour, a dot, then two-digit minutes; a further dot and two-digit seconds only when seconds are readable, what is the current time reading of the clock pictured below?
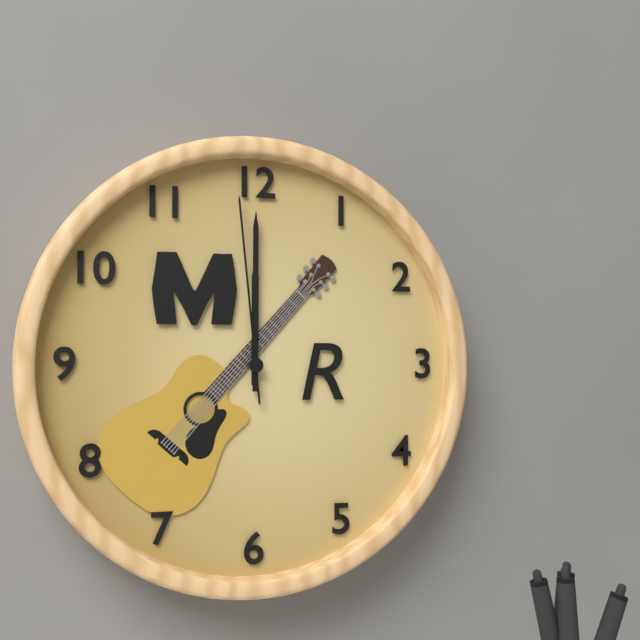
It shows 12.00.59
